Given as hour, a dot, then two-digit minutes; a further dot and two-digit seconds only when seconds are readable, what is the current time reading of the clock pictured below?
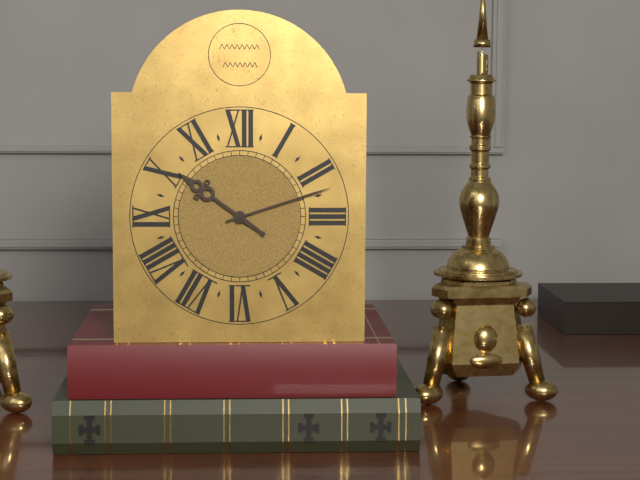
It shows 10.12
